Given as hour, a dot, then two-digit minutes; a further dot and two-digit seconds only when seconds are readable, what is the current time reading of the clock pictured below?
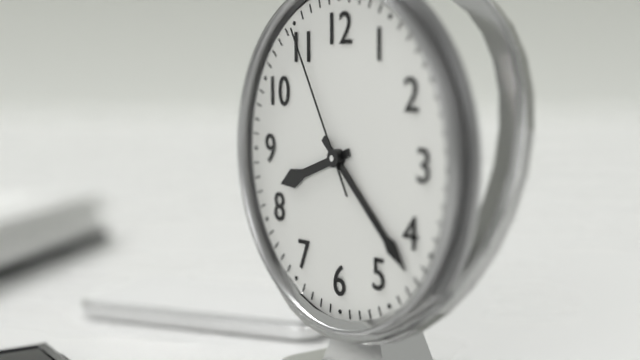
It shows 8.22.55
